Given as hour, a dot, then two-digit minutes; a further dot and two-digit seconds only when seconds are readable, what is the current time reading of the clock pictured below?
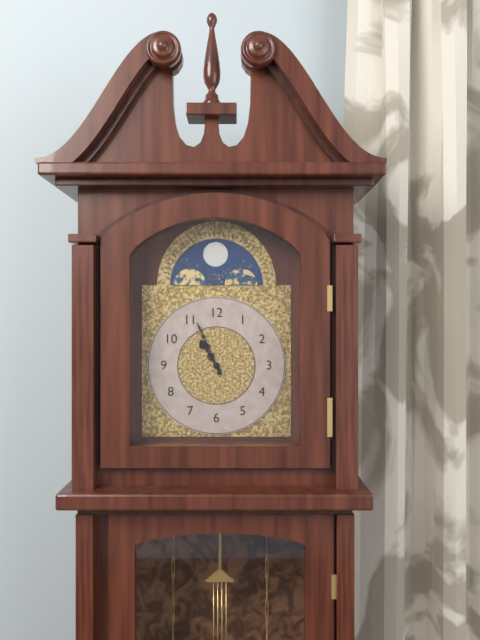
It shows 10.56
